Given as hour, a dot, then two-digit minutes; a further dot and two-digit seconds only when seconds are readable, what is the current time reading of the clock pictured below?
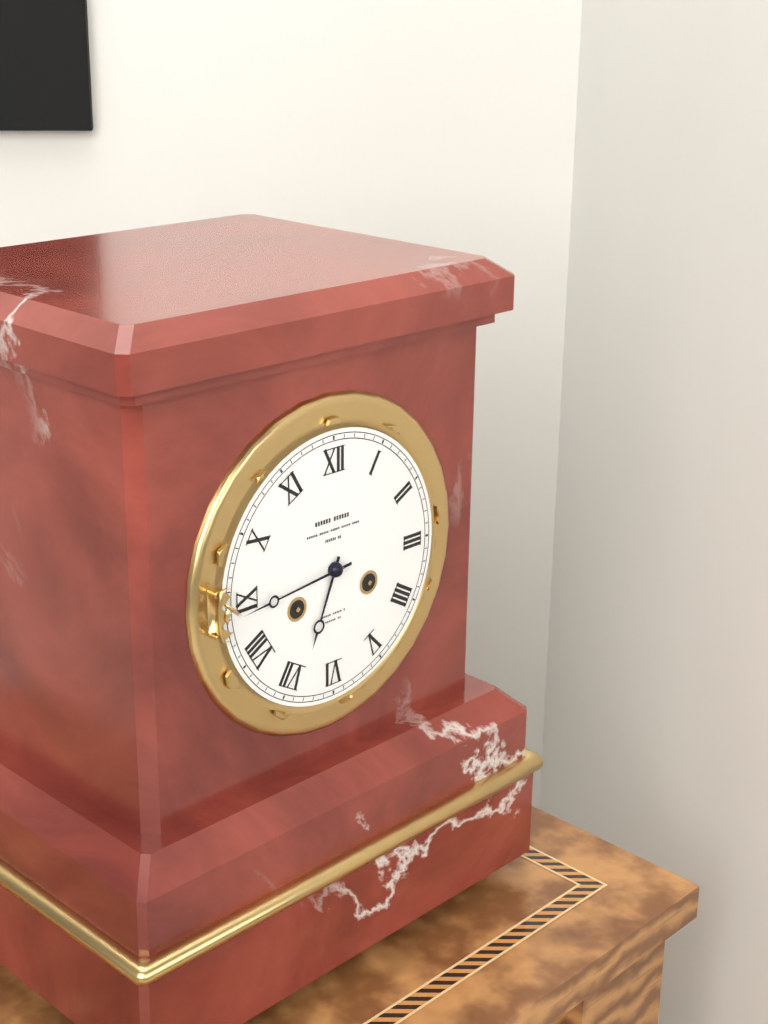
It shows 6.44
